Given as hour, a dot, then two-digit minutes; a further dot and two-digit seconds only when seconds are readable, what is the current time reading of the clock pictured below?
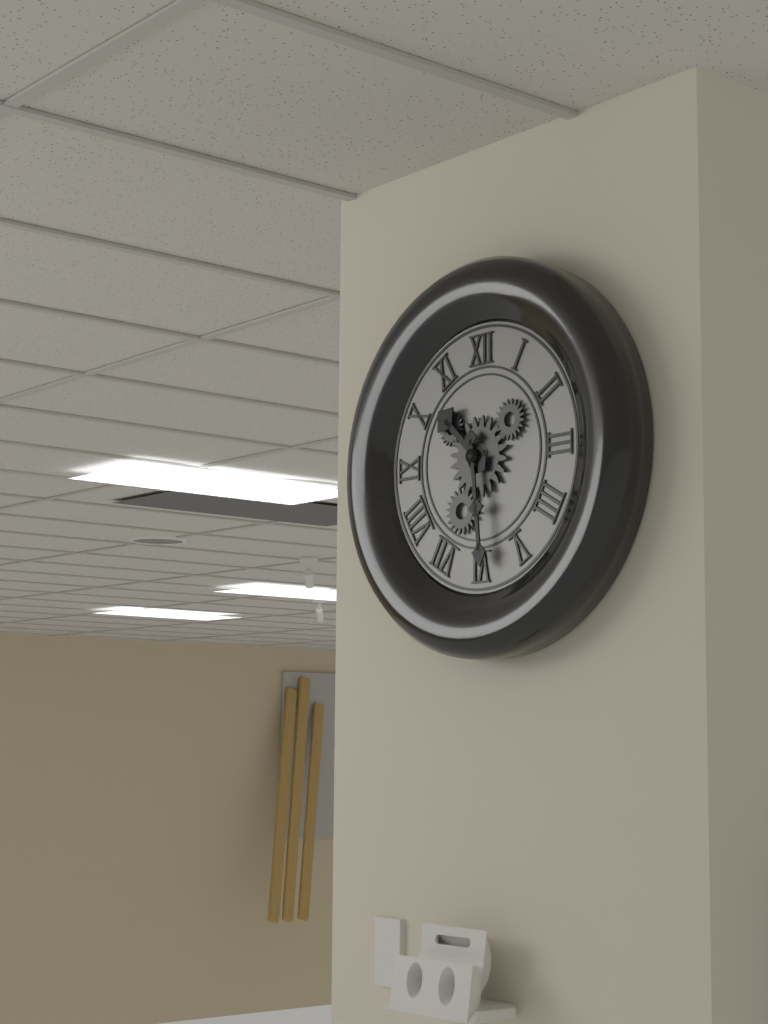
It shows 10.29
